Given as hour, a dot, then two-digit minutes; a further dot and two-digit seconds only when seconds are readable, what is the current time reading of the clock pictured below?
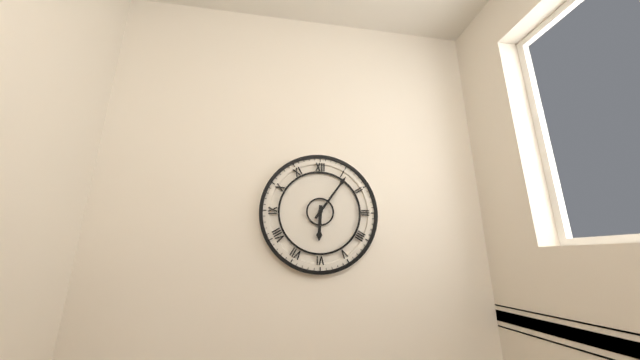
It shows 6.06
